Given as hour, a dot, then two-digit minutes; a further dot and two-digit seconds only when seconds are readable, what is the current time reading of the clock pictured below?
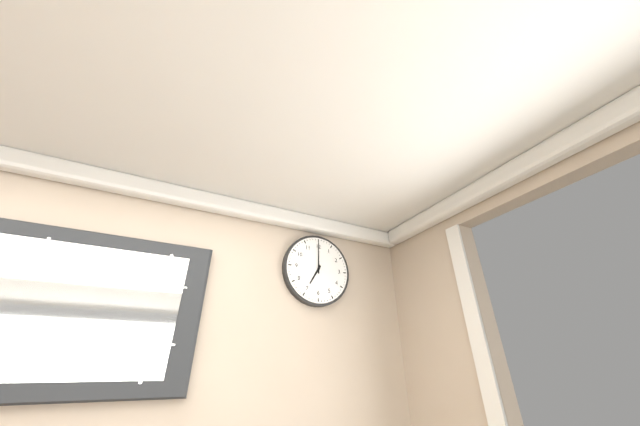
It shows 7.00
